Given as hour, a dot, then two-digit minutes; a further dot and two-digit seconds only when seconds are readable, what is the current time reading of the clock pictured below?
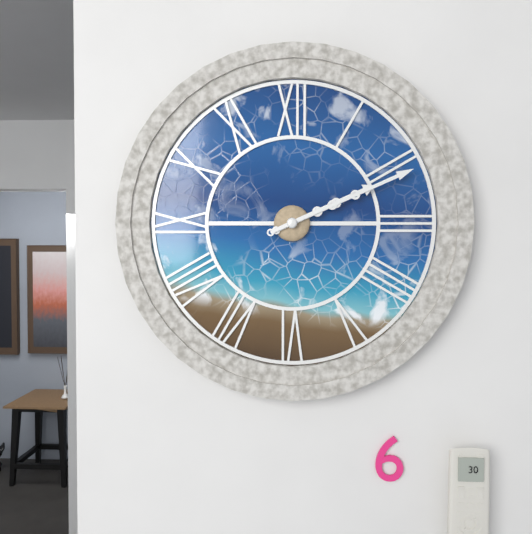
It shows 2.11
